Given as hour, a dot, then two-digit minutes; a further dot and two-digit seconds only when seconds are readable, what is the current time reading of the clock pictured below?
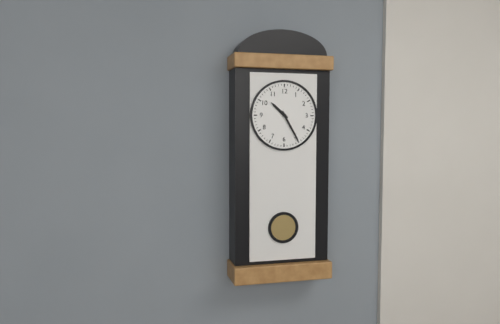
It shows 10.25
